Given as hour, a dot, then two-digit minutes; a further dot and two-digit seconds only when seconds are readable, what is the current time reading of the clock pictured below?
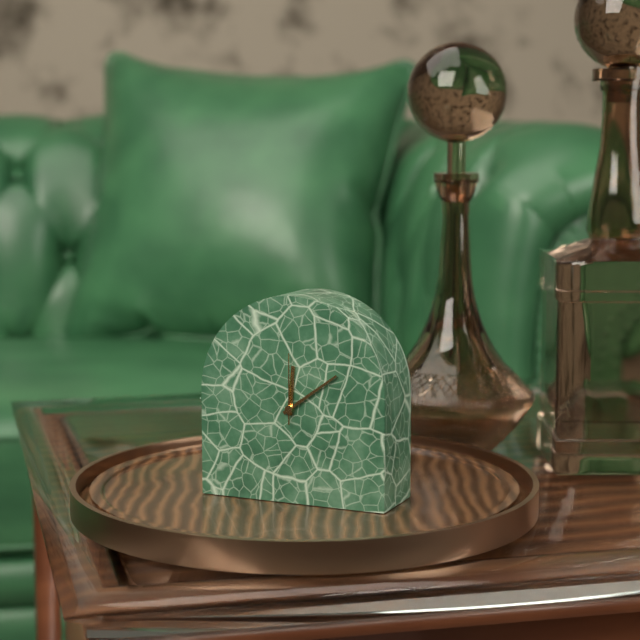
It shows 12.09.00
